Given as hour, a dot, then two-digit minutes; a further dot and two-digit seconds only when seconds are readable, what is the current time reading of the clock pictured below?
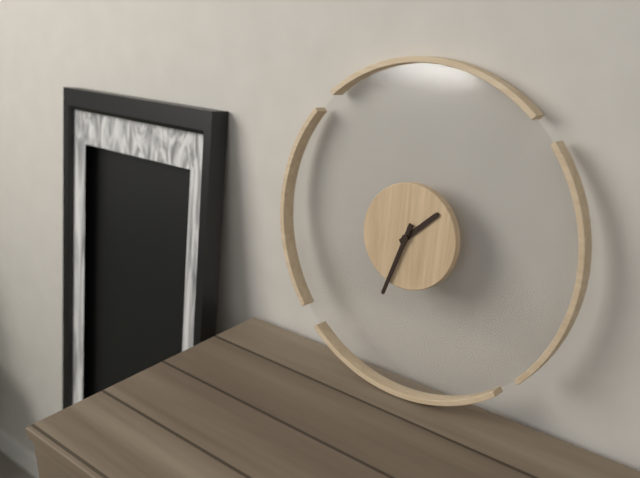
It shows 1.33
